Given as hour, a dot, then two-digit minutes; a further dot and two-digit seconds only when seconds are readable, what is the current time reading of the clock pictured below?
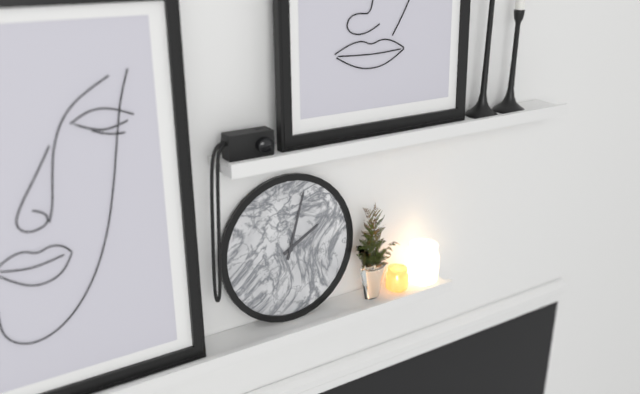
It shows 2.03
